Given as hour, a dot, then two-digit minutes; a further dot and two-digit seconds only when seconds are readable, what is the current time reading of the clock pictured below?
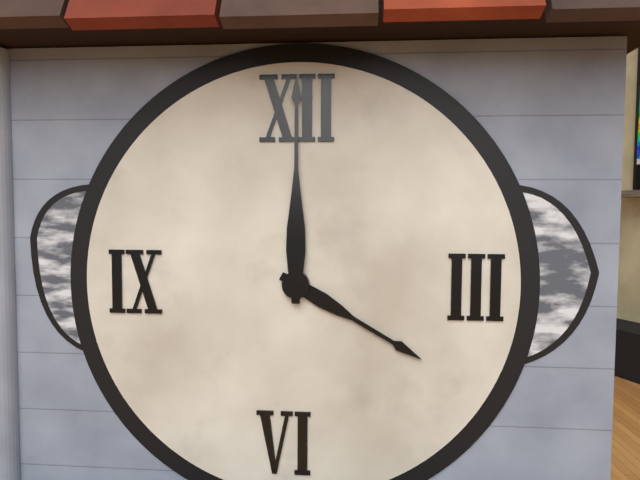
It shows 4.00
